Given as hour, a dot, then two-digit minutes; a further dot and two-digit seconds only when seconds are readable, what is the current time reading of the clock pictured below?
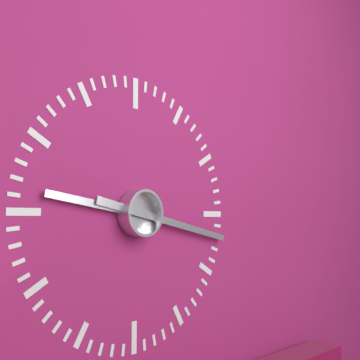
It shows 9.17
